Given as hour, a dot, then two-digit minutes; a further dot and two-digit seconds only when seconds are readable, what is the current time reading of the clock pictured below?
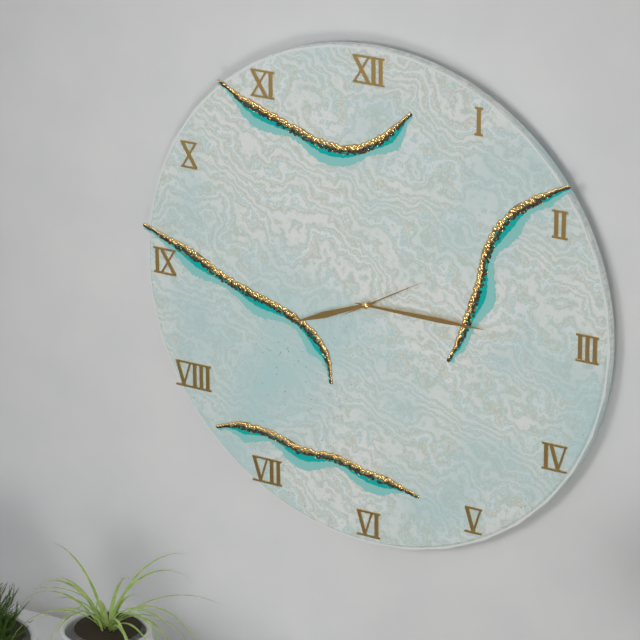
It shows 8.15.10
